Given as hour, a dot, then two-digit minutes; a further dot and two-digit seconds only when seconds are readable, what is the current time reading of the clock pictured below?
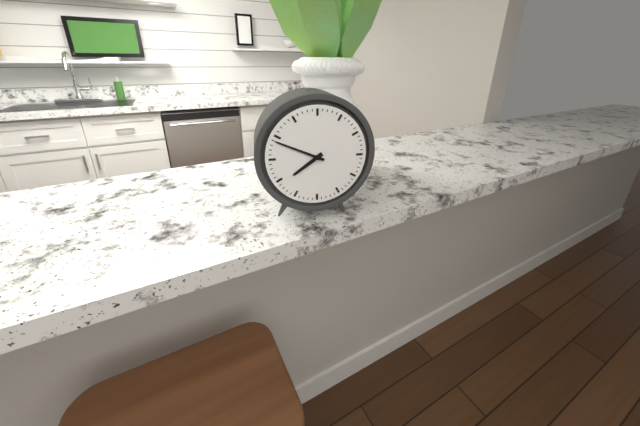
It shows 7.49
